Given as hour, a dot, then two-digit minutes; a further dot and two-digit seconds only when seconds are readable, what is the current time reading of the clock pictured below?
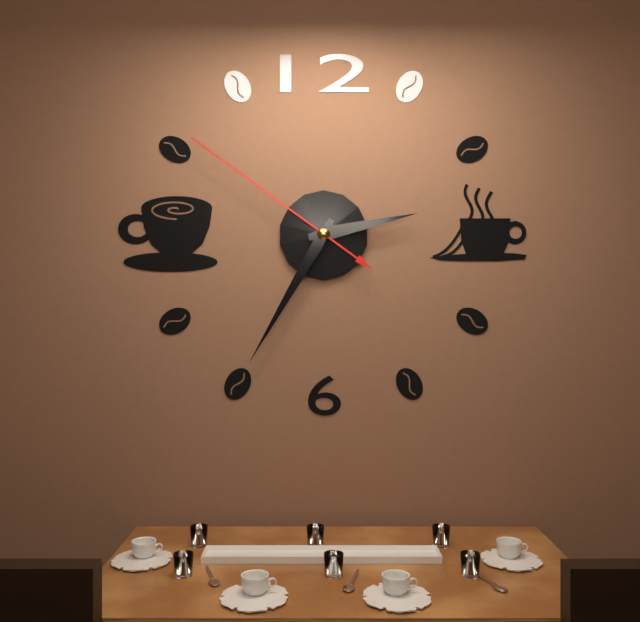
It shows 2.35.51
